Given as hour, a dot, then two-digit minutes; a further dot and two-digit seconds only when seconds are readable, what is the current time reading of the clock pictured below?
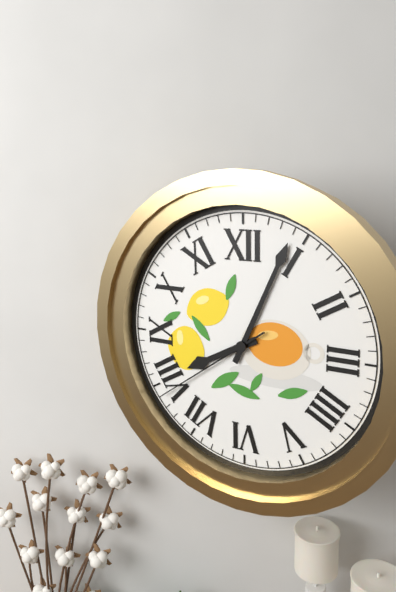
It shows 8.04.39
